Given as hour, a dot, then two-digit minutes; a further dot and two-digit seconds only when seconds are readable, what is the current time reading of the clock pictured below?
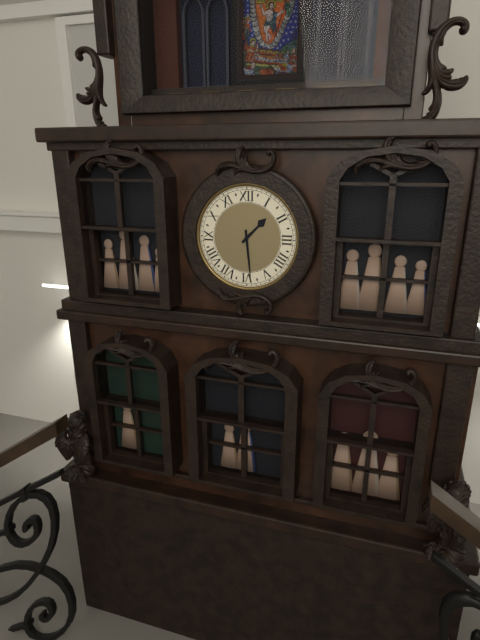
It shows 1.29
